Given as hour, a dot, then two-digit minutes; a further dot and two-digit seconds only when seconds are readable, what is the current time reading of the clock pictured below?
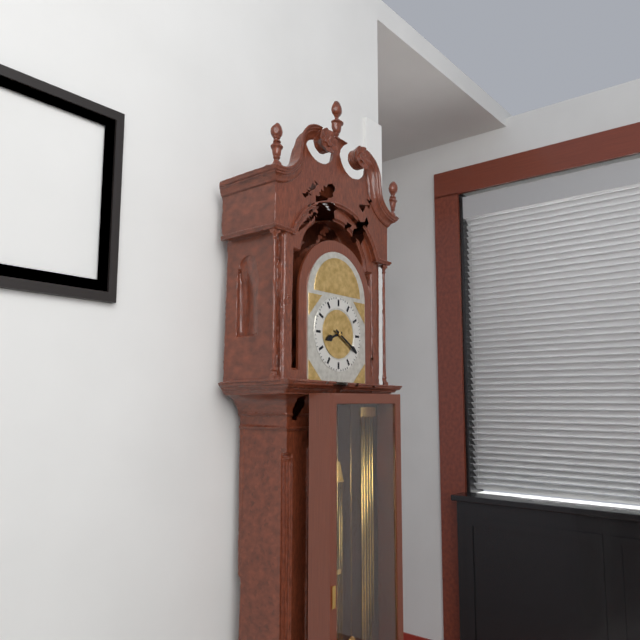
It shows 8.20
